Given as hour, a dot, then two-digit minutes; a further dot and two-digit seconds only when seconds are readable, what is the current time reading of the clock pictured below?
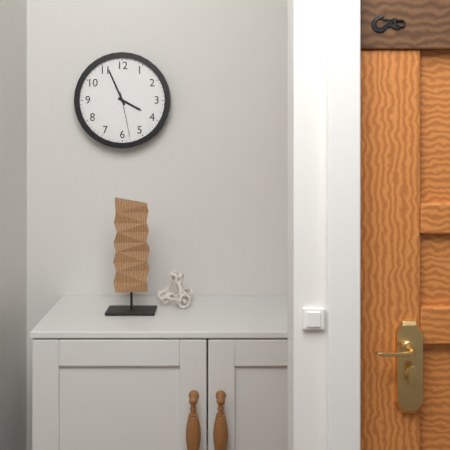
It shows 3.56
